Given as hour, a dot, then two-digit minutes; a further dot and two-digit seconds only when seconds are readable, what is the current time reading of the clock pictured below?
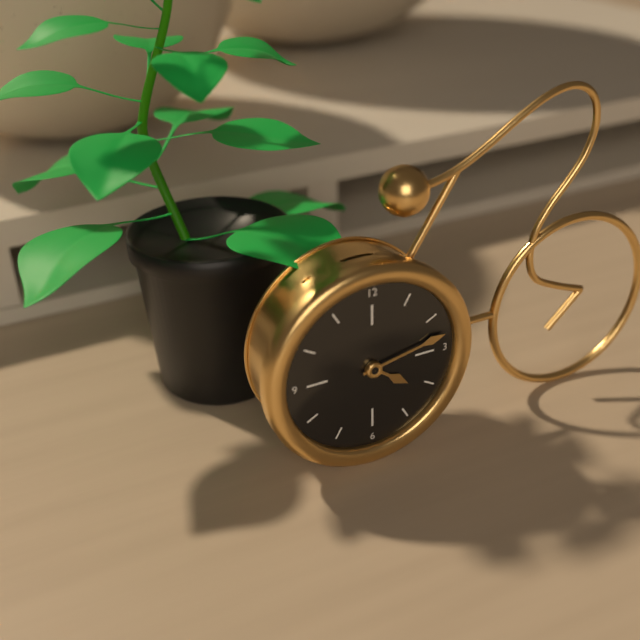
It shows 4.13
